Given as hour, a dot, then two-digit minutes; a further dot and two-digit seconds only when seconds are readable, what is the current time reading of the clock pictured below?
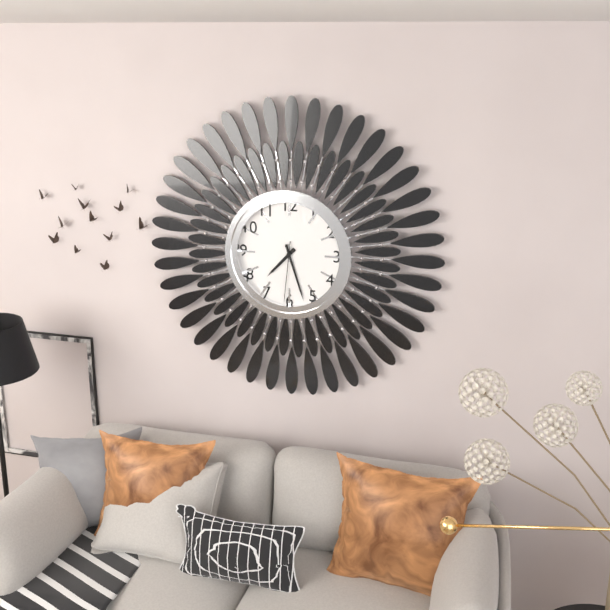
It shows 7.27.31
